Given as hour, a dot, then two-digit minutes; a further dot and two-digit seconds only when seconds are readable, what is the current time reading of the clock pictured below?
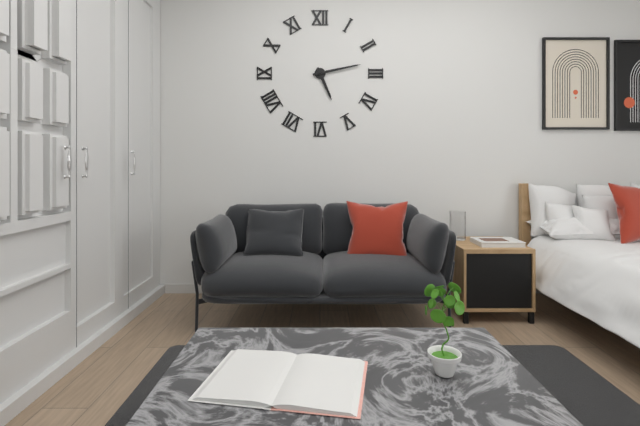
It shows 5.13
